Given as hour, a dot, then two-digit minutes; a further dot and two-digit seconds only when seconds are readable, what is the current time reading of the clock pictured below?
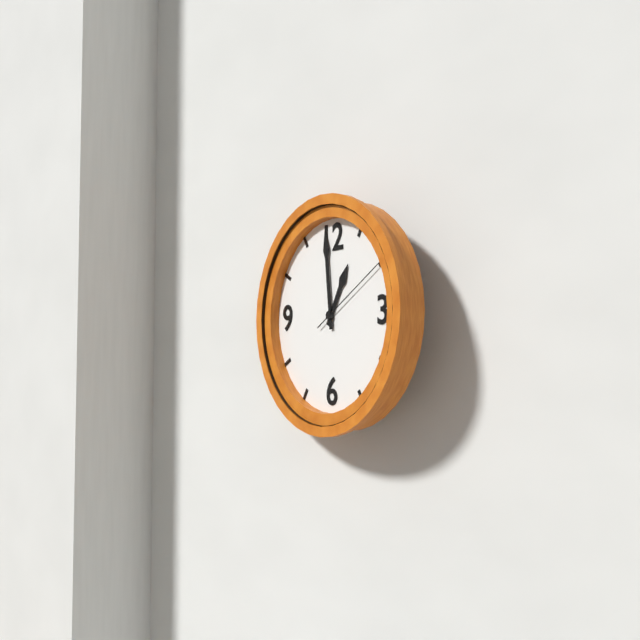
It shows 12.59.10
